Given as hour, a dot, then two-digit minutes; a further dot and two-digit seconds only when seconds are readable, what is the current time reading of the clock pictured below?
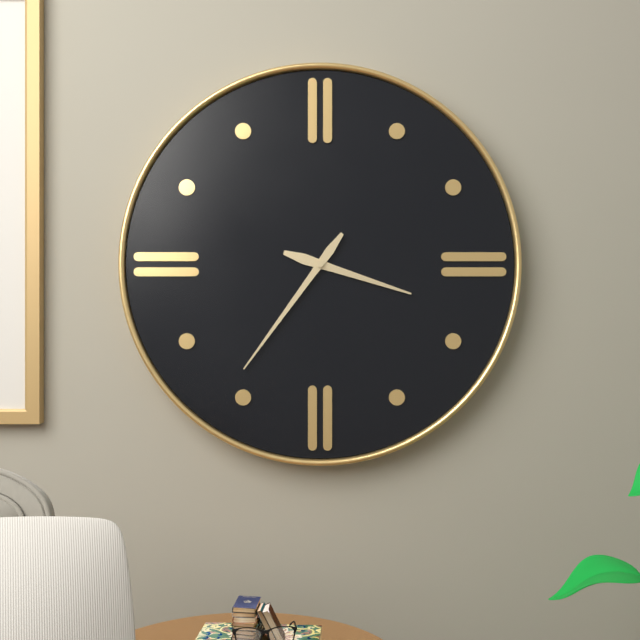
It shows 3.36
